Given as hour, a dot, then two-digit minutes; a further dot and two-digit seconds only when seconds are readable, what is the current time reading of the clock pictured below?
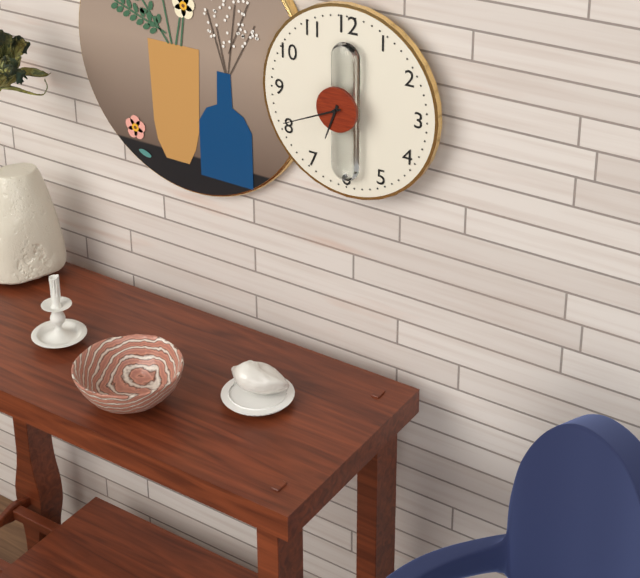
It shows 6.41
